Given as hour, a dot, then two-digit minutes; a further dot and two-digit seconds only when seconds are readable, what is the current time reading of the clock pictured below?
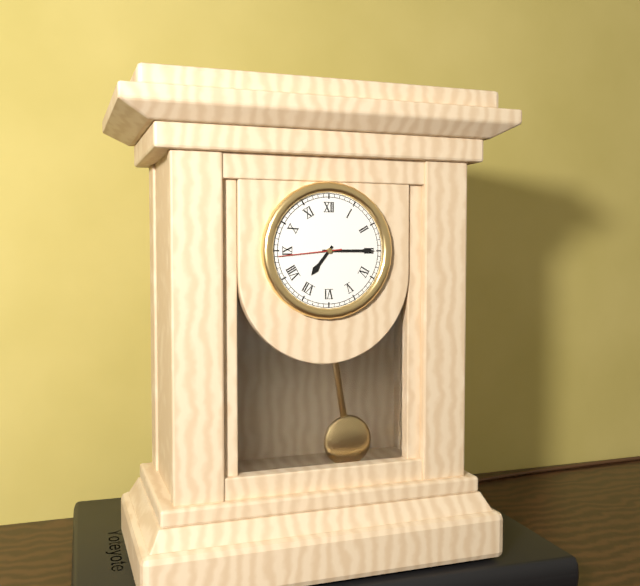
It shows 7.15.44
